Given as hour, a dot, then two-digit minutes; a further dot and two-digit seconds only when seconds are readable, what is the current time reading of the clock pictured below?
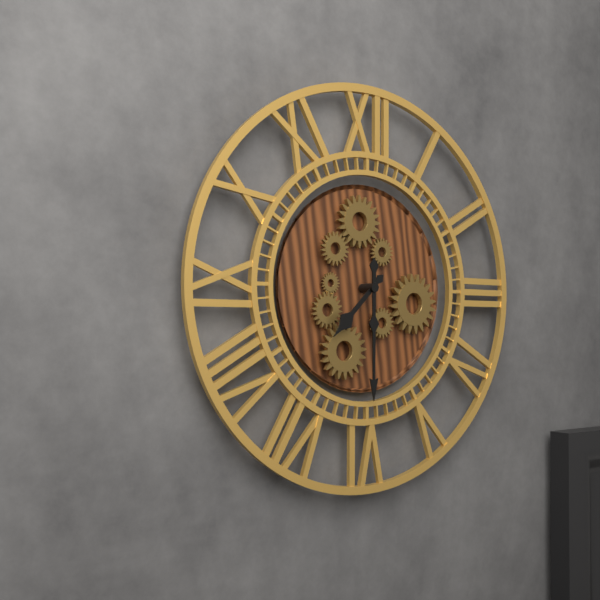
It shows 7.30
